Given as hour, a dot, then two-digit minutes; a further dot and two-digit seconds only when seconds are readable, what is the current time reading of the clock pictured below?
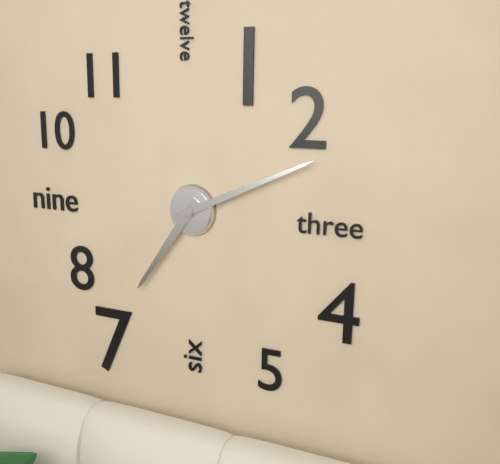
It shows 7.11
